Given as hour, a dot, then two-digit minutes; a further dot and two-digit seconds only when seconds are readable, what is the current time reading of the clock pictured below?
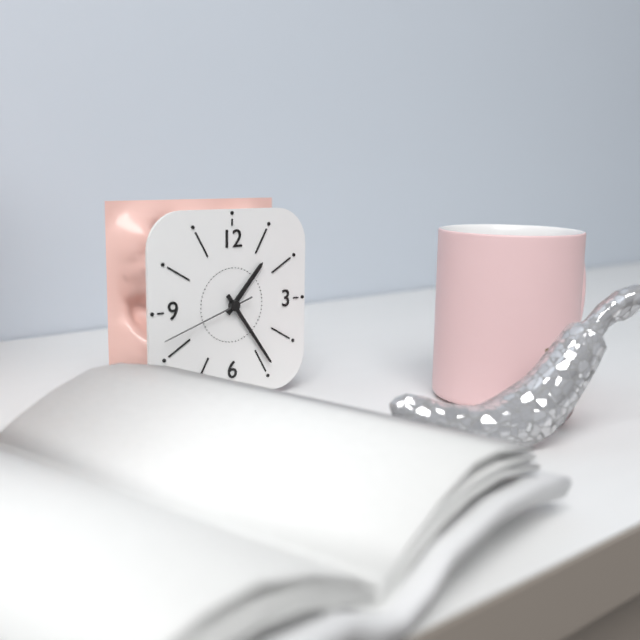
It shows 1.24.42
